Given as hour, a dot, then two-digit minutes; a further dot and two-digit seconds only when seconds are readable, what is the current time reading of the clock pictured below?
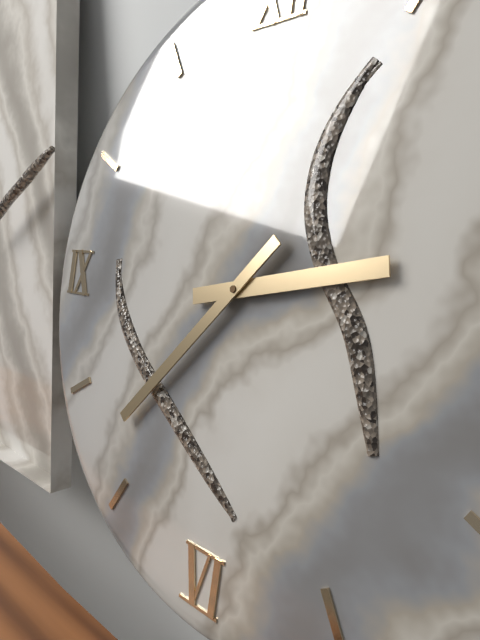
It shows 2.37
